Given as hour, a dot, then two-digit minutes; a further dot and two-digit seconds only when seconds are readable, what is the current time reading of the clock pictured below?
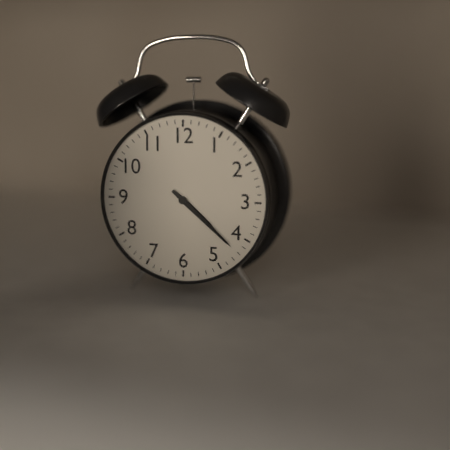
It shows 4.22
